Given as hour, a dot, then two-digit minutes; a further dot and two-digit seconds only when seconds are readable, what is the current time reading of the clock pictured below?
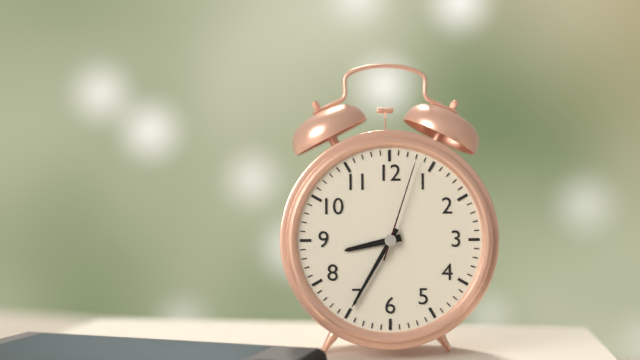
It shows 8.35.03
